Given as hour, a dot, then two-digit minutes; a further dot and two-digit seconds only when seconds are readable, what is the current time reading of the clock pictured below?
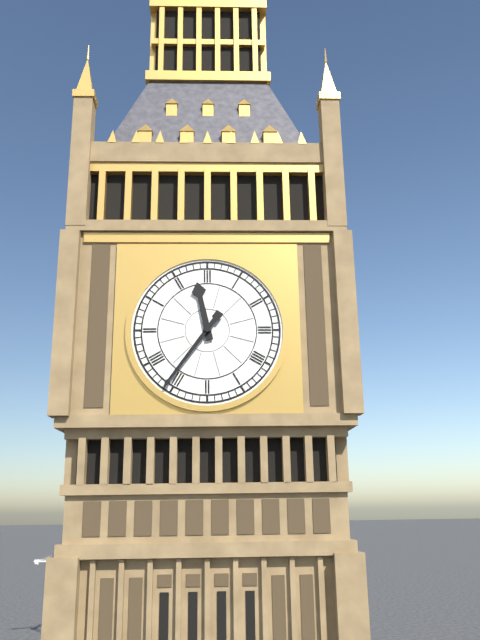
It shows 11.36
